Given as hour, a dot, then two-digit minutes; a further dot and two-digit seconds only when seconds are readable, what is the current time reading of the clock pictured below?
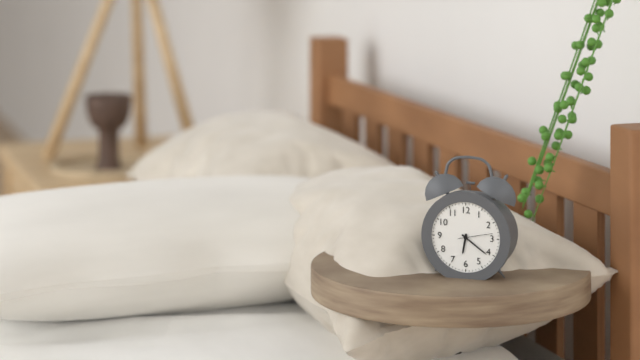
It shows 6.21
